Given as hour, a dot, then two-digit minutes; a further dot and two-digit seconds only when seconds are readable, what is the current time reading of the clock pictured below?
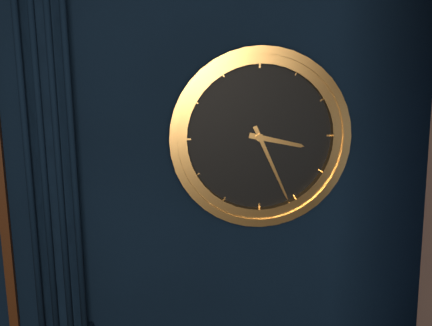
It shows 3.26
